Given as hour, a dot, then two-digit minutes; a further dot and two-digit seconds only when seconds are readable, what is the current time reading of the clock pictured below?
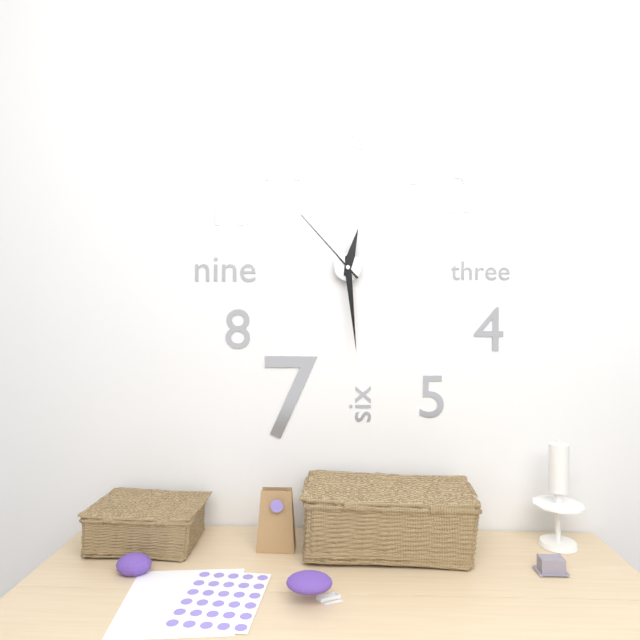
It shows 12.29.53
